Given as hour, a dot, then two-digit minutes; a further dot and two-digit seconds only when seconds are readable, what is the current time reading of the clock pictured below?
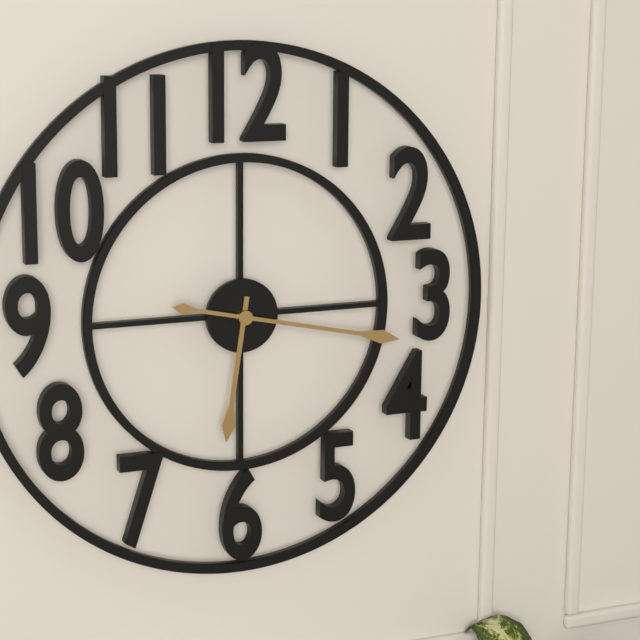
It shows 6.17
